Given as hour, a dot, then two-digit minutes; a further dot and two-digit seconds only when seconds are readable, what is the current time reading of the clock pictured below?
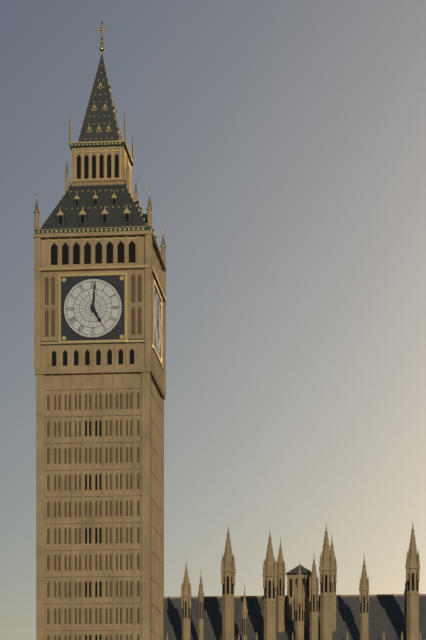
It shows 5.01
